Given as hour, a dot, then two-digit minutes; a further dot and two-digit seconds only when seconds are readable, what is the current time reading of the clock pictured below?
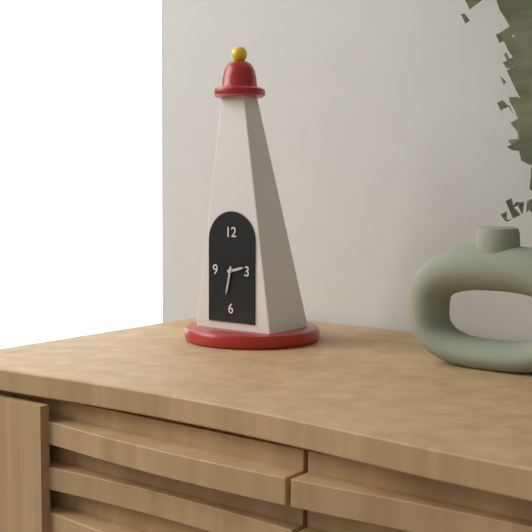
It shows 2.32
